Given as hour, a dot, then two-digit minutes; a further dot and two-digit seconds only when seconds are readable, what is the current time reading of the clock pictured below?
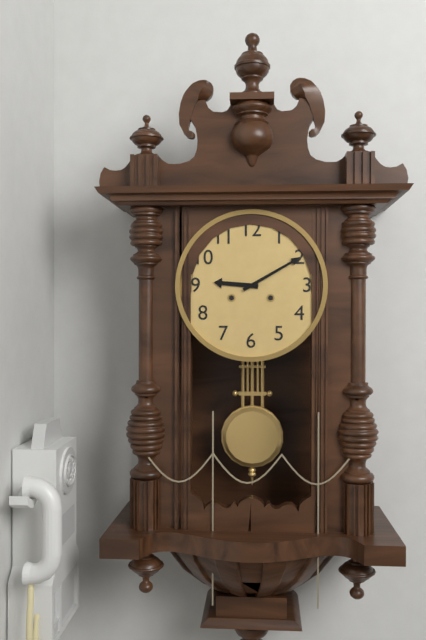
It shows 9.10
